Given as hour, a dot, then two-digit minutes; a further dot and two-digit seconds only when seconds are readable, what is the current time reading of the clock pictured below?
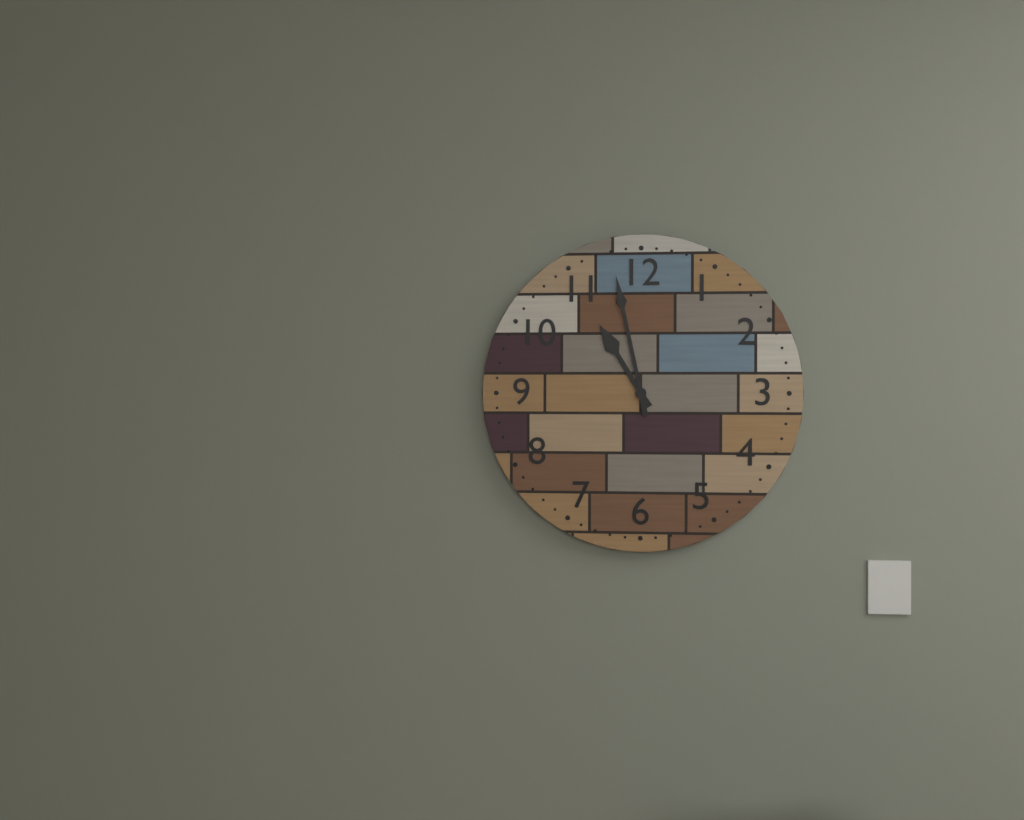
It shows 10.58
